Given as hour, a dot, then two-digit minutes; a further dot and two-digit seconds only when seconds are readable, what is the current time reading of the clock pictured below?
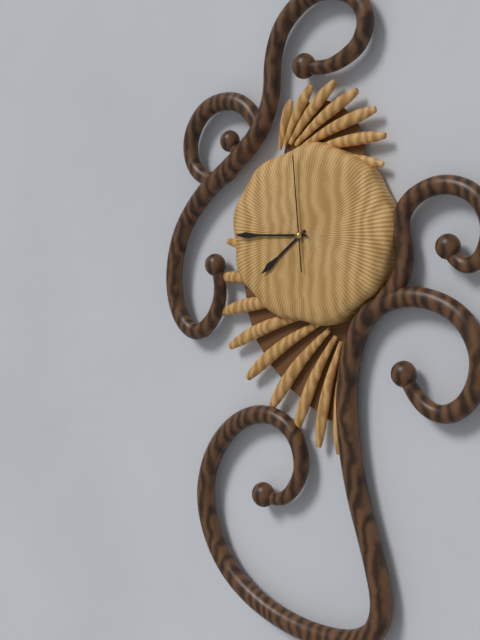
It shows 7.45.59
